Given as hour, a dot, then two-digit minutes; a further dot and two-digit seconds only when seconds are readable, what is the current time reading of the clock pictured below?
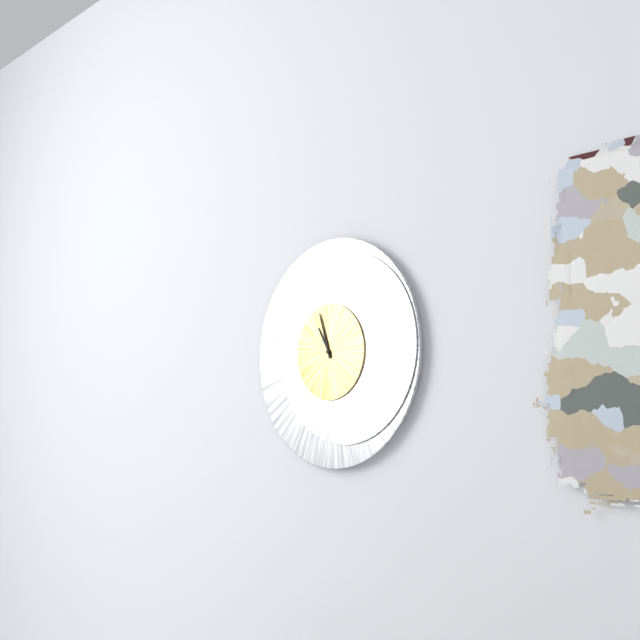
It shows 10.57
